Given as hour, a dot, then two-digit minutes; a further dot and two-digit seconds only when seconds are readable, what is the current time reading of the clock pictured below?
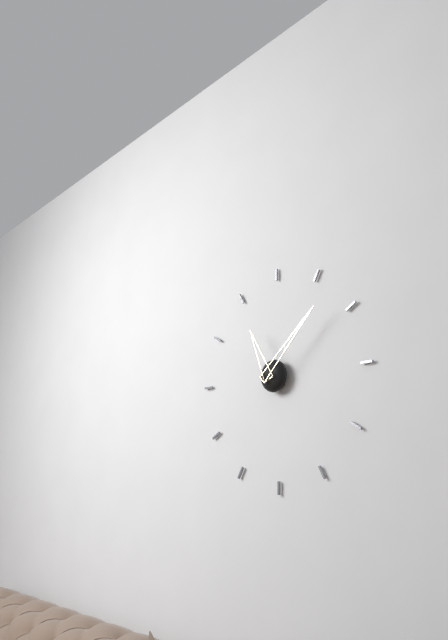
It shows 11.08
